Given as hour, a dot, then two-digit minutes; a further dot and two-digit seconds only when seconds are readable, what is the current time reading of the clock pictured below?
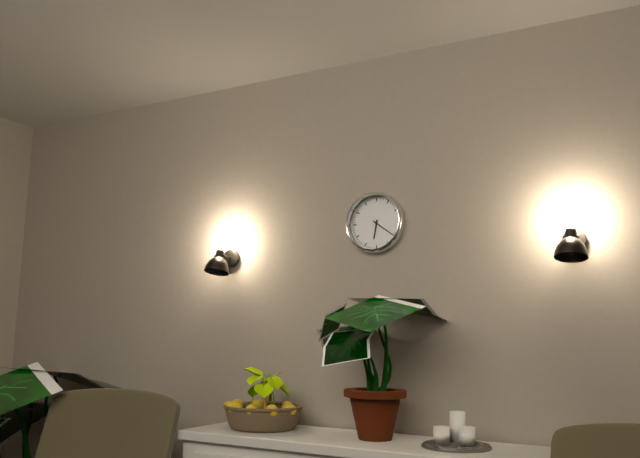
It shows 6.21
